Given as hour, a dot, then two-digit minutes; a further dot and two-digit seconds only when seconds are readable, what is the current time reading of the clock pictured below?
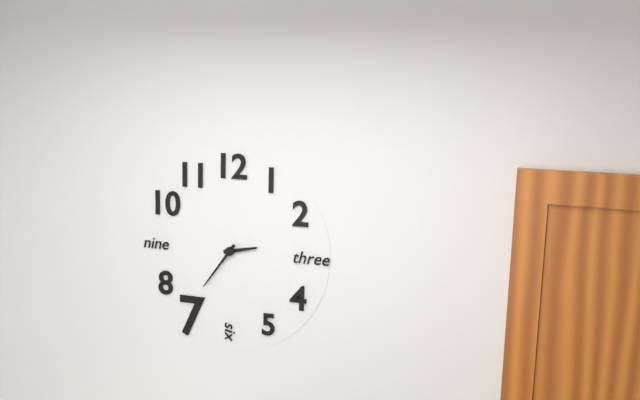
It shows 2.36
